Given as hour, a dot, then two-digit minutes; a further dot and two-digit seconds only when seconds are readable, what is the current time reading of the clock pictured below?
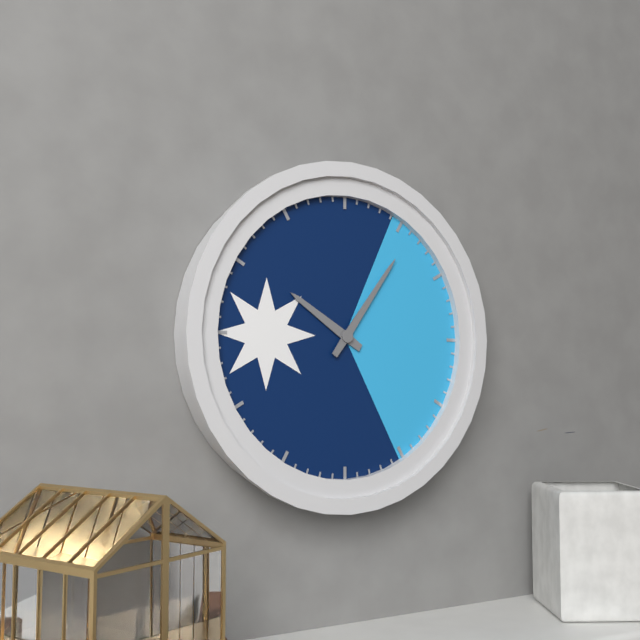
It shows 10.06
